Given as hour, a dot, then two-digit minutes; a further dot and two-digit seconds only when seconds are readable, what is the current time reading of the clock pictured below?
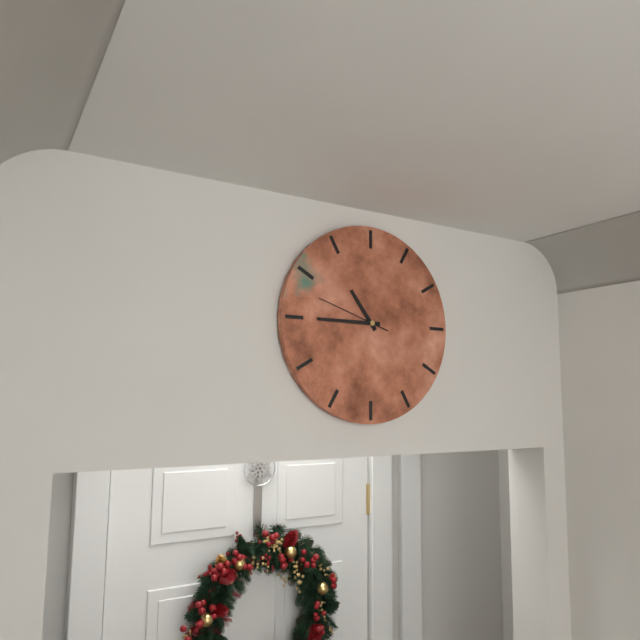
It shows 10.45.48
